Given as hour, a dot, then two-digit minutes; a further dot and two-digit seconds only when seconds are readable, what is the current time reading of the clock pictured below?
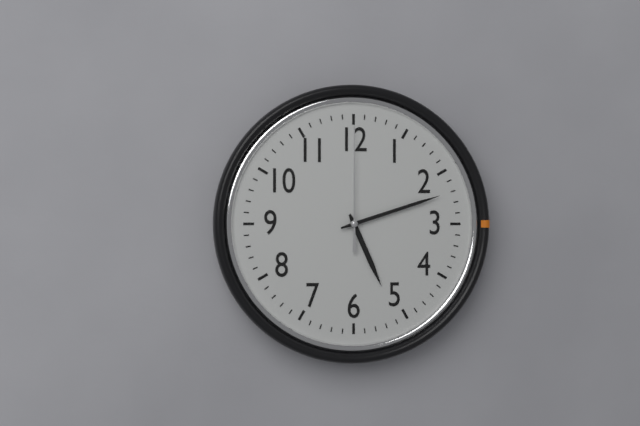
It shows 5.12.00
